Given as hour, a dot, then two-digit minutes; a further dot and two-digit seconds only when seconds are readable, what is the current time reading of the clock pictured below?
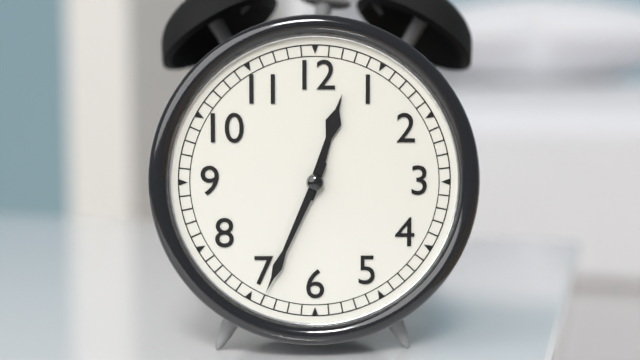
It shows 12.34
